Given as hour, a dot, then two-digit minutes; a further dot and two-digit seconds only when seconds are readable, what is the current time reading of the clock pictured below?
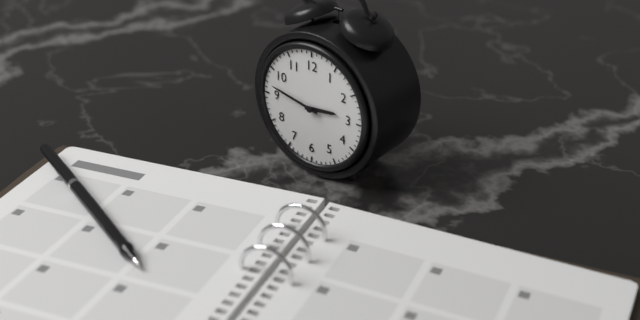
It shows 2.47
